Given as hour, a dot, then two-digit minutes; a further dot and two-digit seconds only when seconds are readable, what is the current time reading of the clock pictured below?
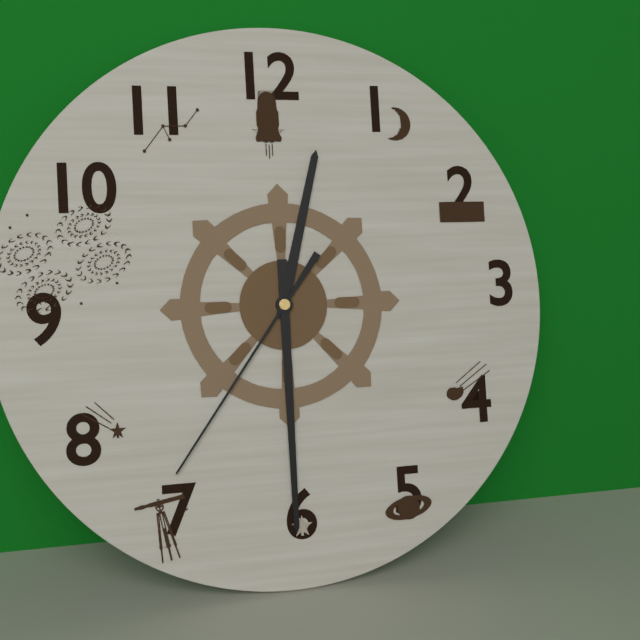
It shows 12.30.36
